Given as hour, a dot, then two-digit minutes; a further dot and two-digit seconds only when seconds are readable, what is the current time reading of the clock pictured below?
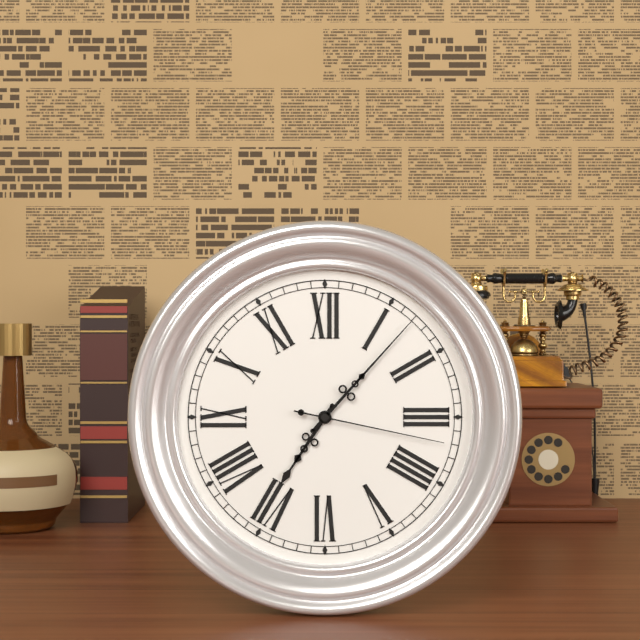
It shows 7.07.17
